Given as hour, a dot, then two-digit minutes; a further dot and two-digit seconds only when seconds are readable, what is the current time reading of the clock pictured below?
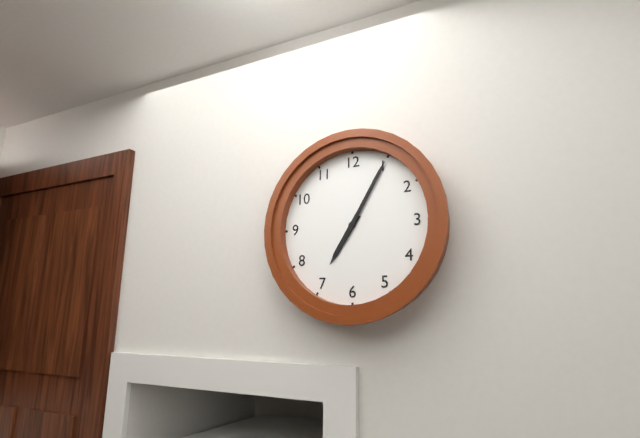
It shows 7.05
